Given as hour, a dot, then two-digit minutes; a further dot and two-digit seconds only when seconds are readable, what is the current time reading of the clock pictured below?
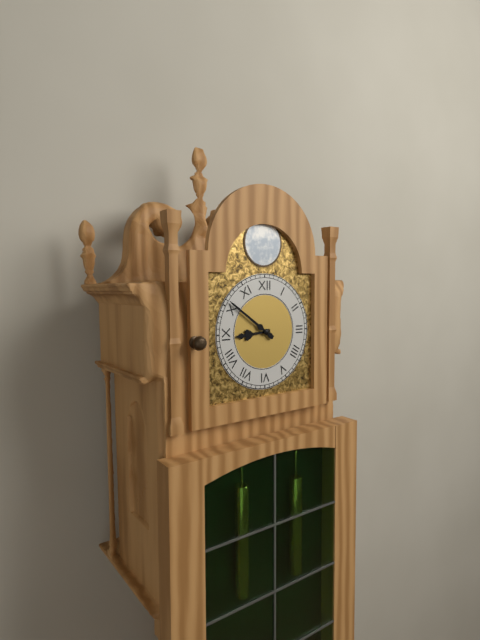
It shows 8.51
